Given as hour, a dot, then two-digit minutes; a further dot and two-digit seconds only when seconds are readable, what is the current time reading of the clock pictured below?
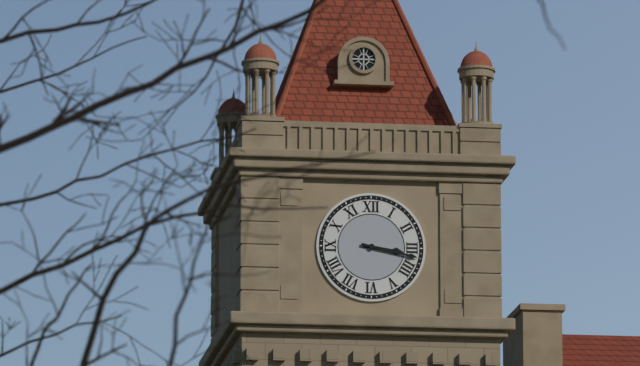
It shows 3.17
